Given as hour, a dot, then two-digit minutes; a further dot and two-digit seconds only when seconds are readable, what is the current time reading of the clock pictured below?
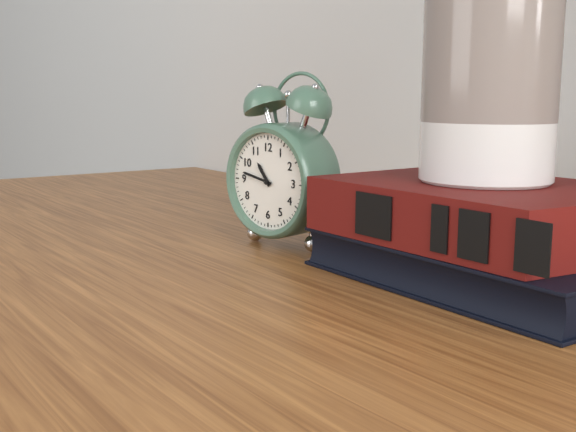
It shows 10.47
